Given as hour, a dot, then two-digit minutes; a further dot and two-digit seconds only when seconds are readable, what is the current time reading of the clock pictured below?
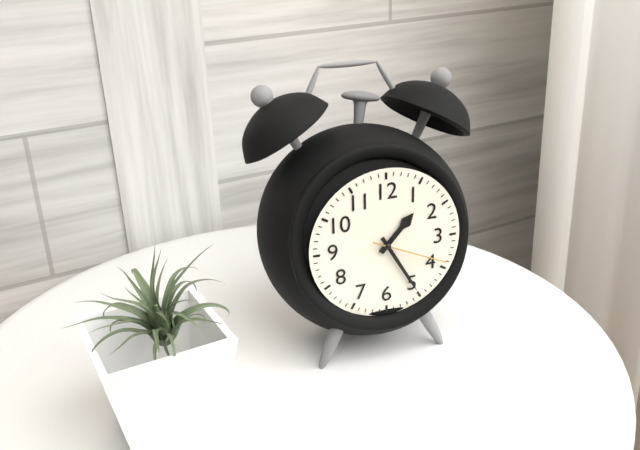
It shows 1.25.19
